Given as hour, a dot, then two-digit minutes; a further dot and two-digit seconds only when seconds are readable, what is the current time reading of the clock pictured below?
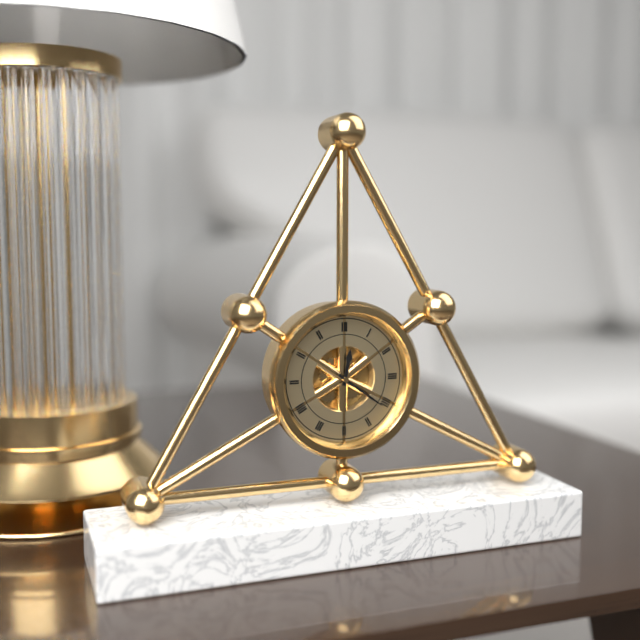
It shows 12.21
